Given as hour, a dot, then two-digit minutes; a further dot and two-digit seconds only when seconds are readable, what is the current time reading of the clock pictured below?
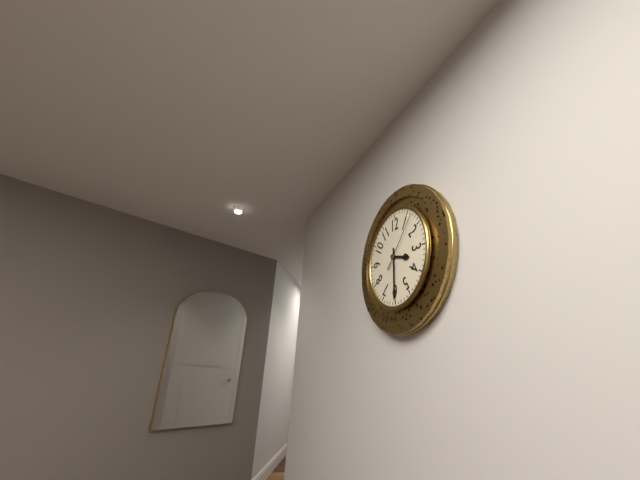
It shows 3.30.07
